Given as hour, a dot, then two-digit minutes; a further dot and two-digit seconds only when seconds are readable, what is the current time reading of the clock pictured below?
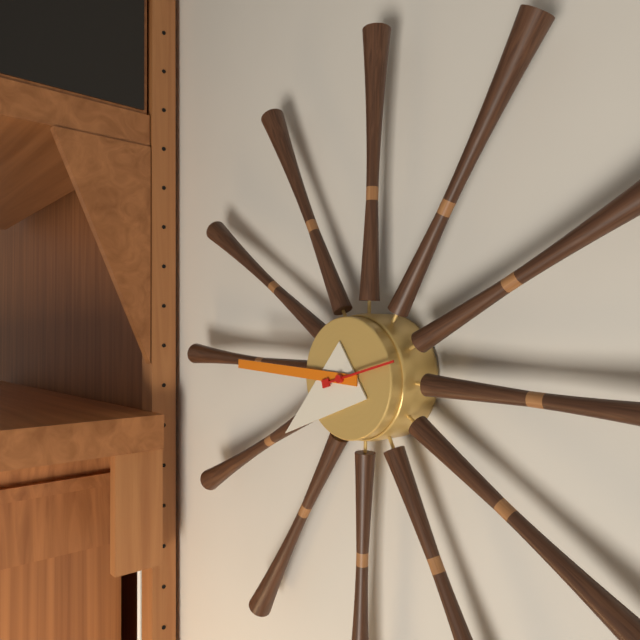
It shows 7.45
